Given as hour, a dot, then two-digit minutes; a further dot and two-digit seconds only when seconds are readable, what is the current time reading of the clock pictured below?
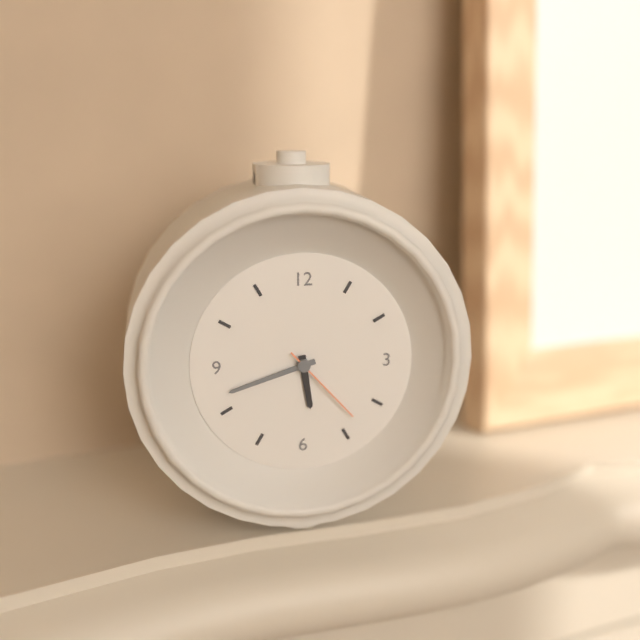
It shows 5.42.23
